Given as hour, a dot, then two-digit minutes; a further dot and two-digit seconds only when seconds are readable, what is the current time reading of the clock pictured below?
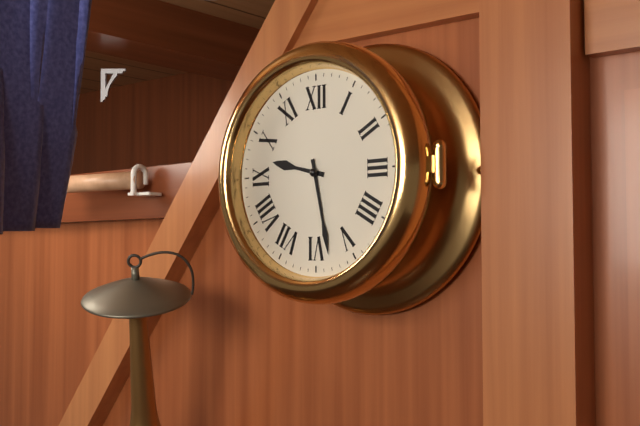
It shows 9.28
